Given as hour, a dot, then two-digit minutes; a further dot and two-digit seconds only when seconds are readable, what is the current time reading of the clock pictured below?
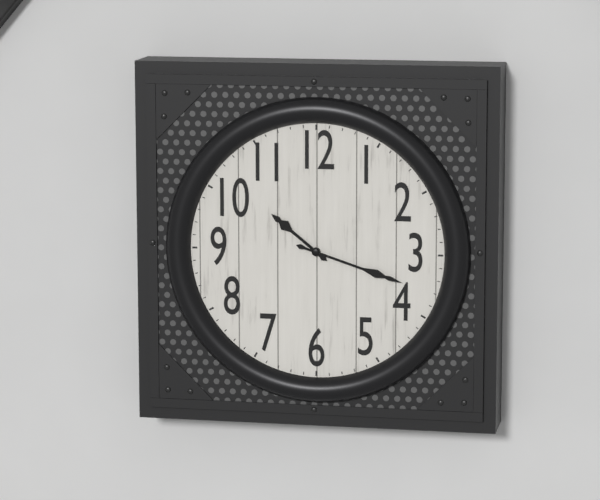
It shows 10.18
